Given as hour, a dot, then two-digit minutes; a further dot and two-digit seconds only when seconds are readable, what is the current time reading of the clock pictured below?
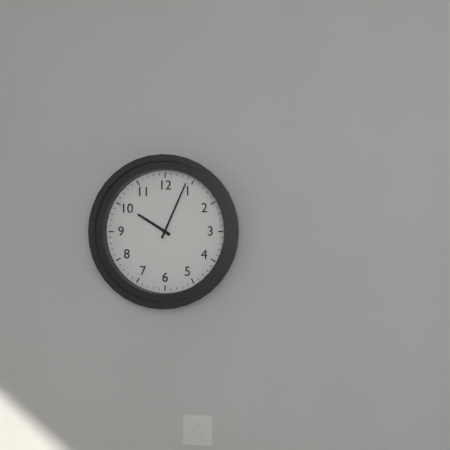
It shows 10.04
